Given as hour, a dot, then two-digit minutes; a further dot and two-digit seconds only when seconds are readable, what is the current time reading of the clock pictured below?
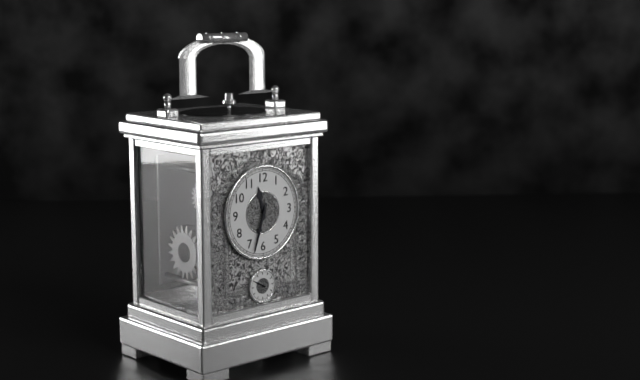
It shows 11.33
